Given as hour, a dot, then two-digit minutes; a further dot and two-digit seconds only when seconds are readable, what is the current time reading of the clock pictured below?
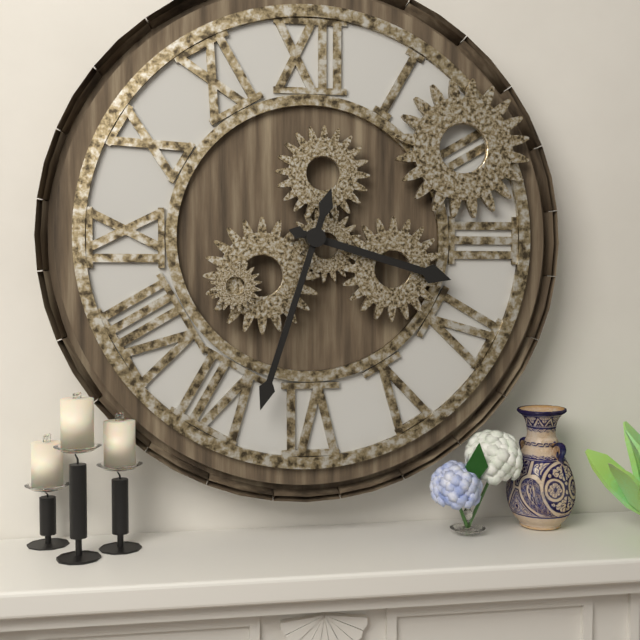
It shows 3.33
